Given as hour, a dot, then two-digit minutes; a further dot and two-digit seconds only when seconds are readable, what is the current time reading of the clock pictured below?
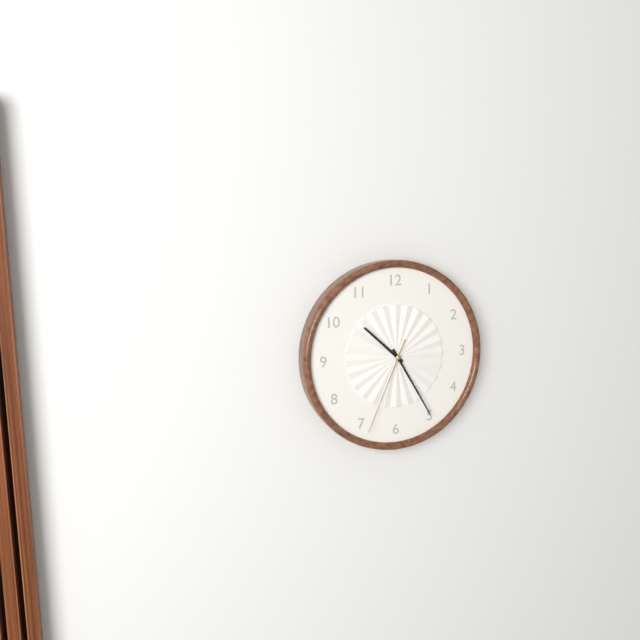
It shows 10.25.34
